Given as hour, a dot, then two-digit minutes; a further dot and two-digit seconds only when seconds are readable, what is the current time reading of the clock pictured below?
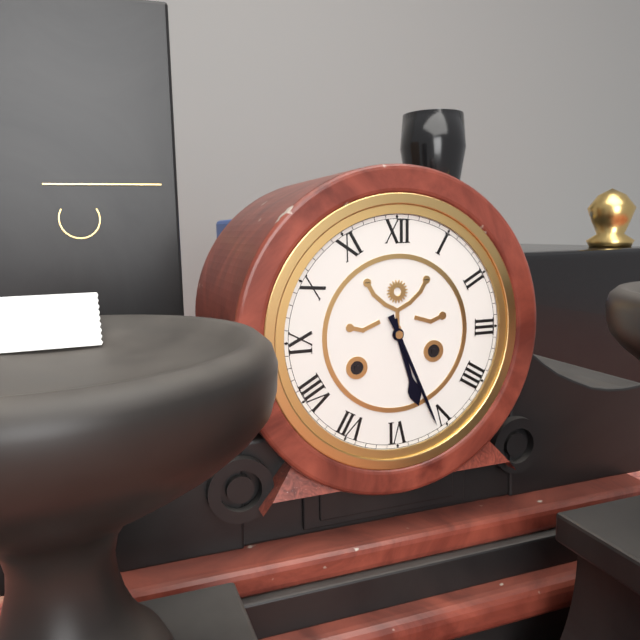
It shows 5.26
